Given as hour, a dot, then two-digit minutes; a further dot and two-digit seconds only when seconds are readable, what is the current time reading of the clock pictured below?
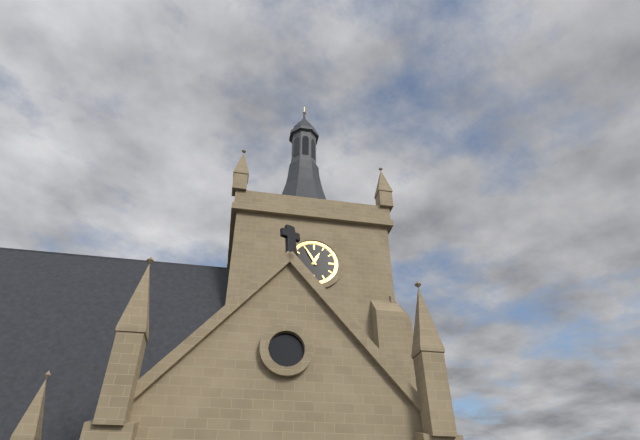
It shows 12.55
